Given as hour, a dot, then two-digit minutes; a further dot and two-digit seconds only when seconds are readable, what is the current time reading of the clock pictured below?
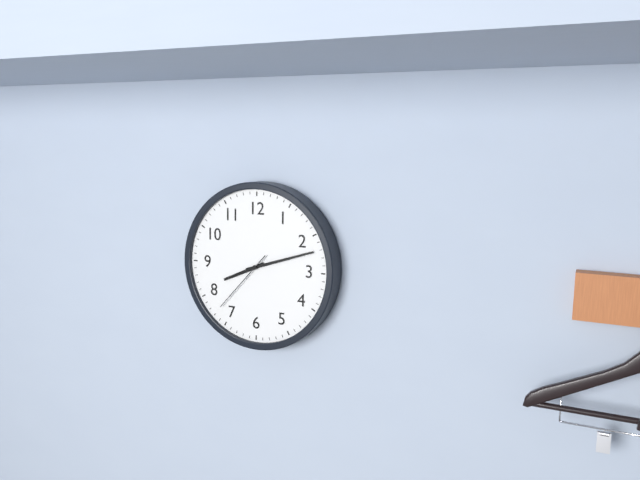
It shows 8.12.37
